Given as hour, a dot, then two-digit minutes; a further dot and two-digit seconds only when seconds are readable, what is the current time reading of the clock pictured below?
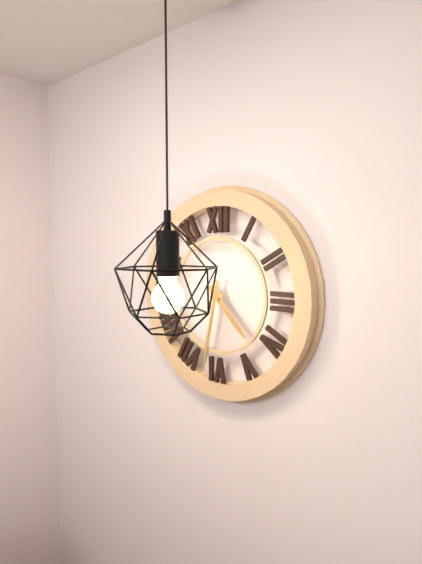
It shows 4.32
